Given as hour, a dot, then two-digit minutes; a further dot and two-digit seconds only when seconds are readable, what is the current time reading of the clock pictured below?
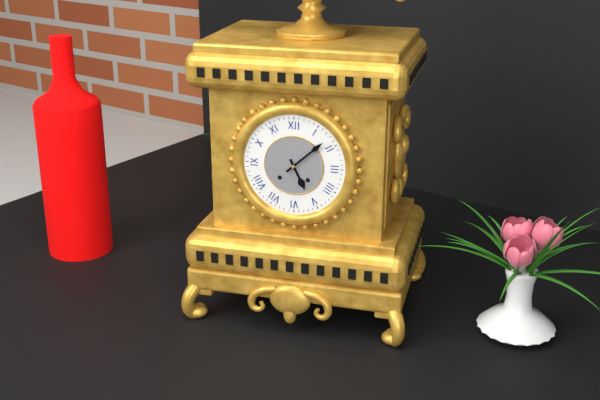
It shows 5.08
